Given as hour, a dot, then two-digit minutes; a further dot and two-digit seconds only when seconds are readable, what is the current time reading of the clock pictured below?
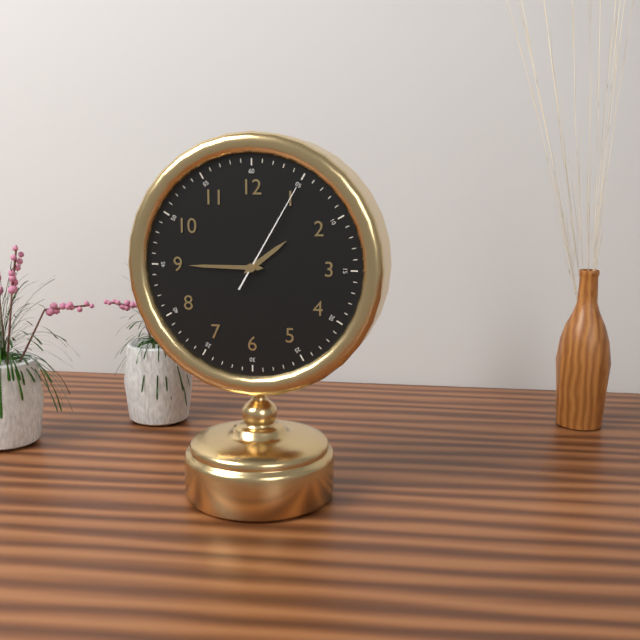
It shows 1.45.05
